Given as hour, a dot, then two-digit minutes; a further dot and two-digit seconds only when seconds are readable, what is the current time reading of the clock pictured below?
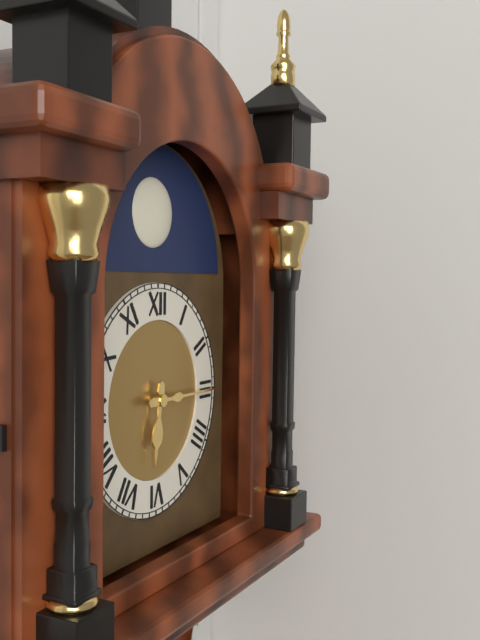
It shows 6.15
